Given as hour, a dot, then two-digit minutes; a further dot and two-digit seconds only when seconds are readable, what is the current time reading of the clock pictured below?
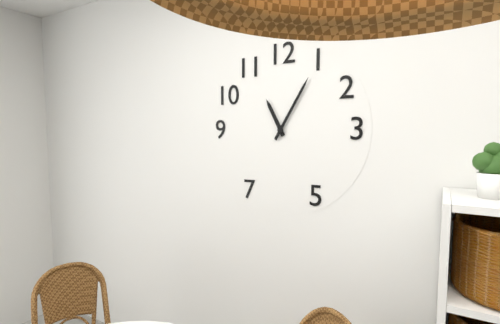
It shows 11.05
